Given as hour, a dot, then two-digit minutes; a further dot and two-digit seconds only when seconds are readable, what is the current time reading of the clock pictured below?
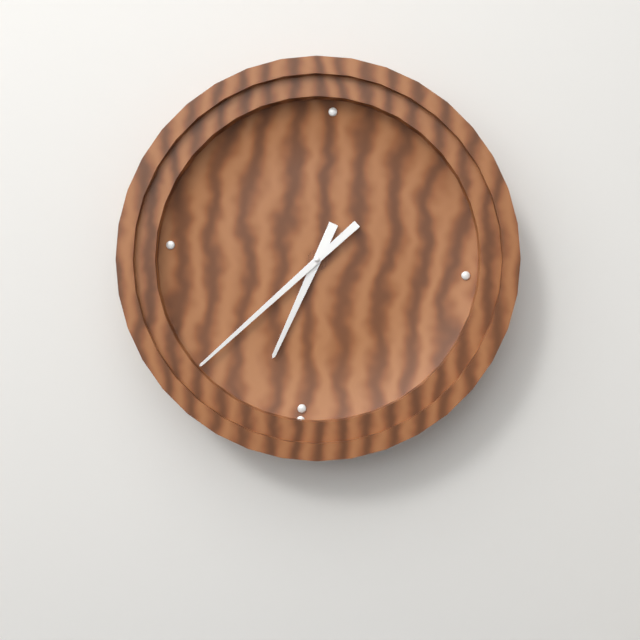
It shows 6.37
